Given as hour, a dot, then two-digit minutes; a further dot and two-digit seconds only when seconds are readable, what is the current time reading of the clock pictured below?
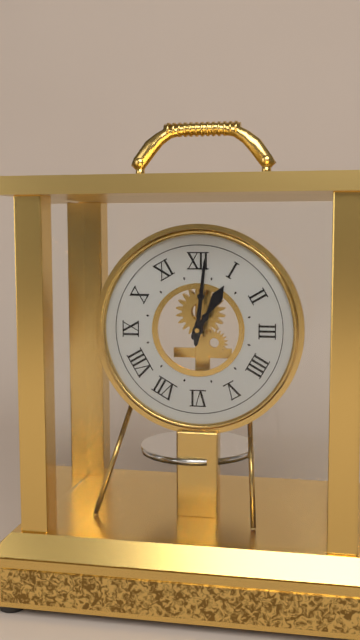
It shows 1.01
